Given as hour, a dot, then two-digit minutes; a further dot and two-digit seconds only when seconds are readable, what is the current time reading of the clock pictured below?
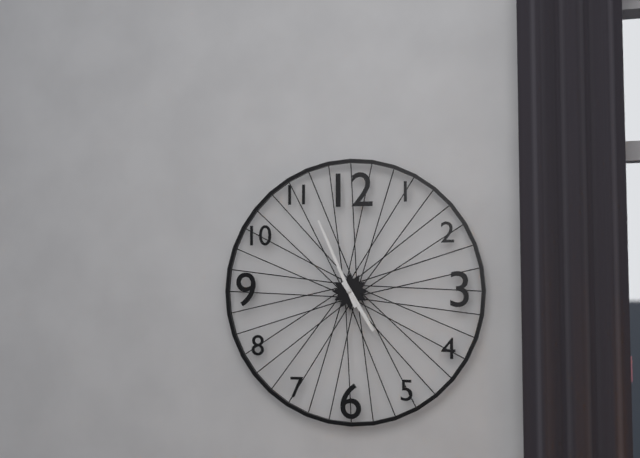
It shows 4.56
